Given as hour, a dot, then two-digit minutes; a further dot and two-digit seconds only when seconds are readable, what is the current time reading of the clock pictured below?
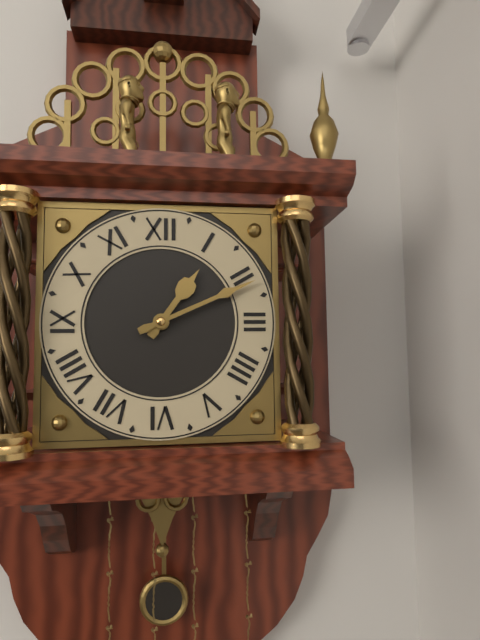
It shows 1.11
